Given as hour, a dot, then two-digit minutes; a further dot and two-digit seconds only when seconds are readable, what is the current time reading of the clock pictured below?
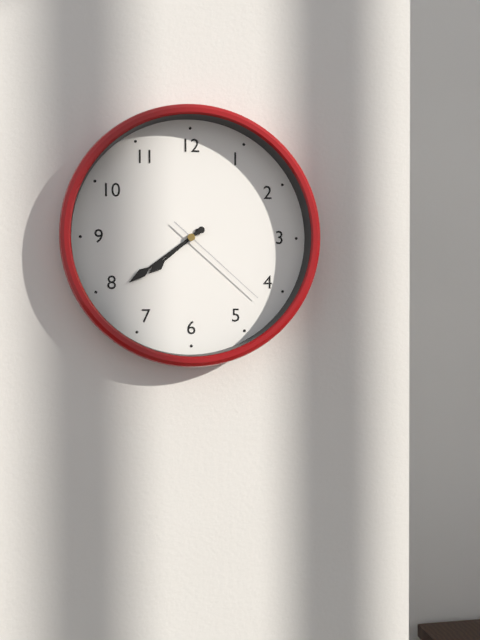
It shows 7.39.22
